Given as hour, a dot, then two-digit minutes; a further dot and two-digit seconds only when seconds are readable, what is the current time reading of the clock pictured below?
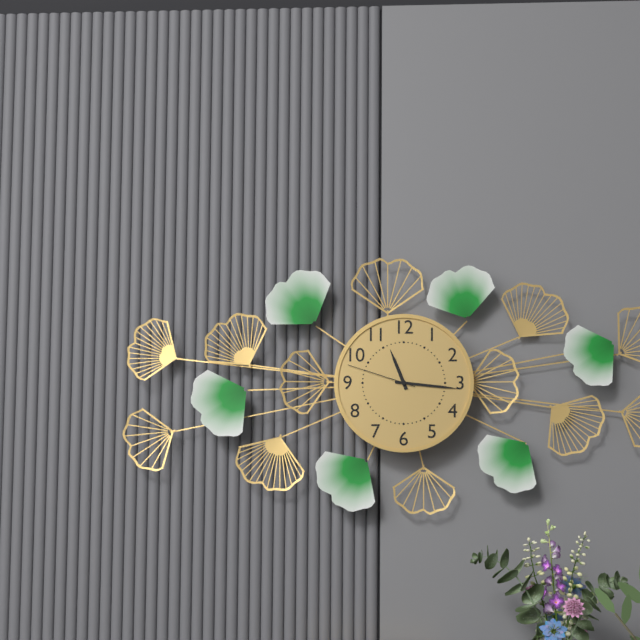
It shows 11.16.48
